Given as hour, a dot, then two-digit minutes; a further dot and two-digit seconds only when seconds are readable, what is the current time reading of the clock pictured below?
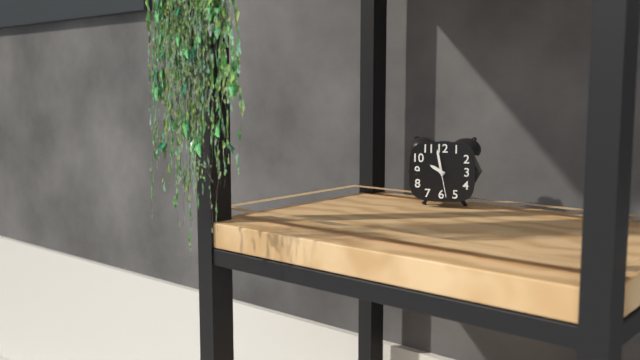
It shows 9.58
